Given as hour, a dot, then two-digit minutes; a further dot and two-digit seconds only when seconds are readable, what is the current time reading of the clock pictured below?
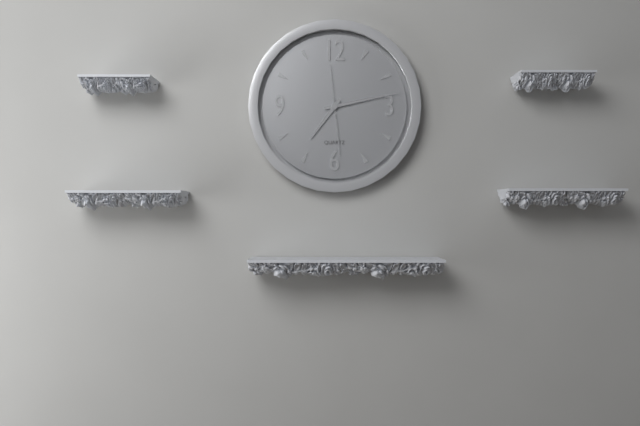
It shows 7.13.29
